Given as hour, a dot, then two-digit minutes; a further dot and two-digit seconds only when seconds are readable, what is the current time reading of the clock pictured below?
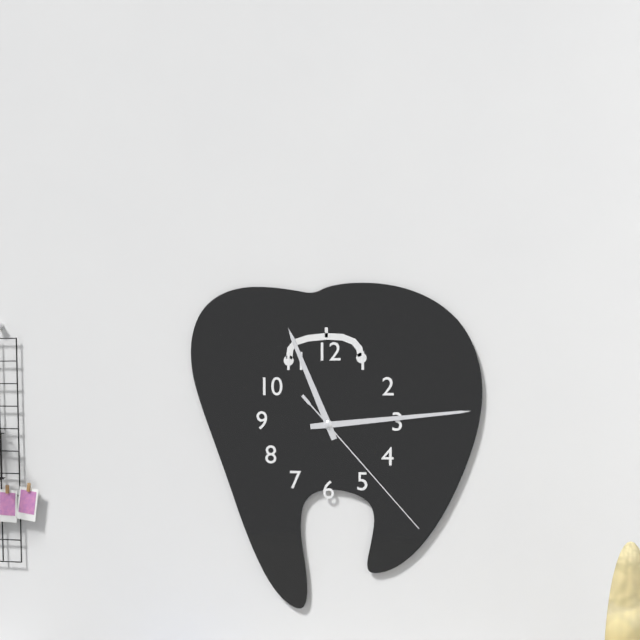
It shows 11.14.23
